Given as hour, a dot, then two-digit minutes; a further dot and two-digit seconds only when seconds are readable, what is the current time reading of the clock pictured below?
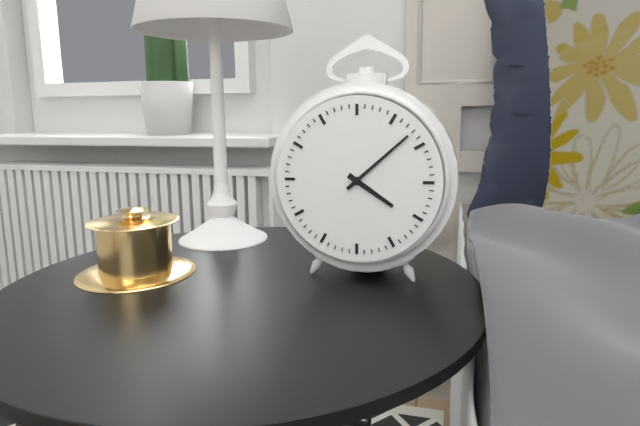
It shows 4.08
